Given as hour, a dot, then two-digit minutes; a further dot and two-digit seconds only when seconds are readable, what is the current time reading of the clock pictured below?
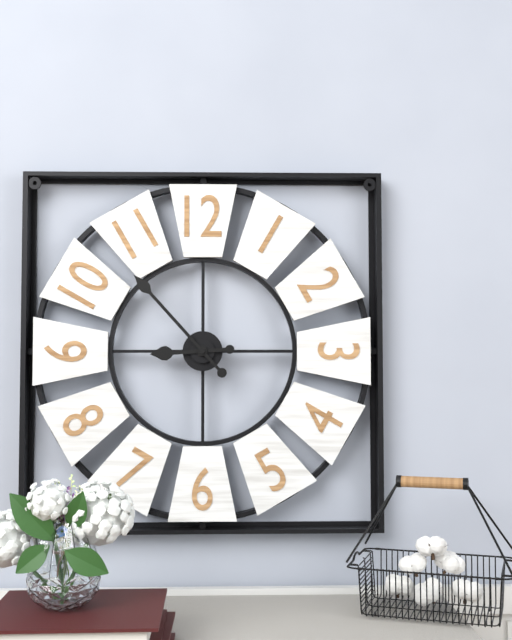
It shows 8.53
